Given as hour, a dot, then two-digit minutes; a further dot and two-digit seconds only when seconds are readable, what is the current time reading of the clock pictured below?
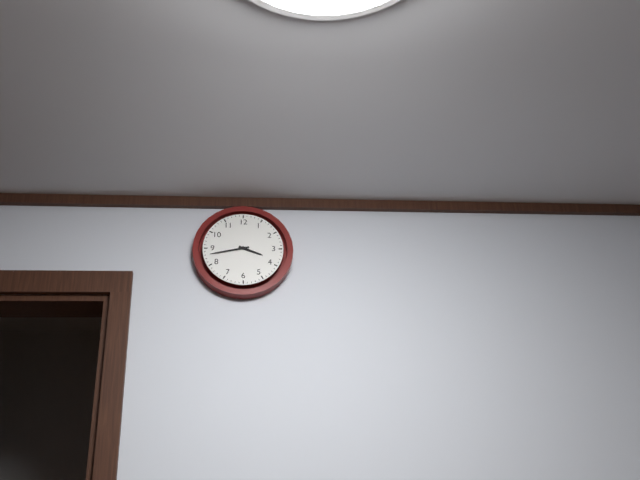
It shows 3.43
